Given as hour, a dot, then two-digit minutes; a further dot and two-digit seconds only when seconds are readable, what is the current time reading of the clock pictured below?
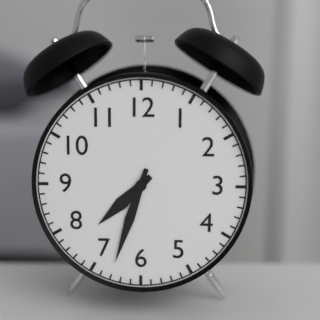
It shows 7.33
